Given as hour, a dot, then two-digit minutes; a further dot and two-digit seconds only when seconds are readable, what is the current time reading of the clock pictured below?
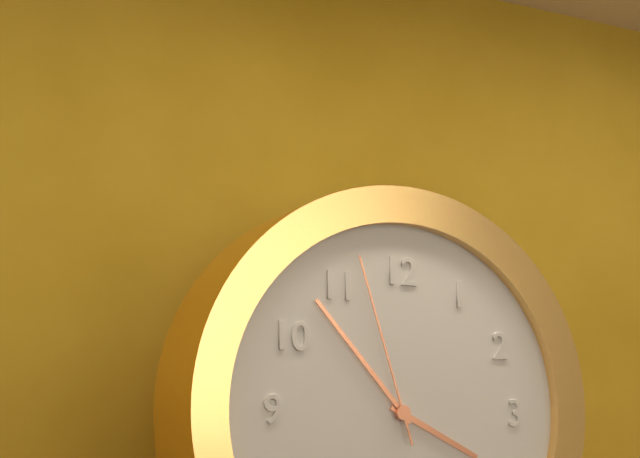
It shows 3.53.57
